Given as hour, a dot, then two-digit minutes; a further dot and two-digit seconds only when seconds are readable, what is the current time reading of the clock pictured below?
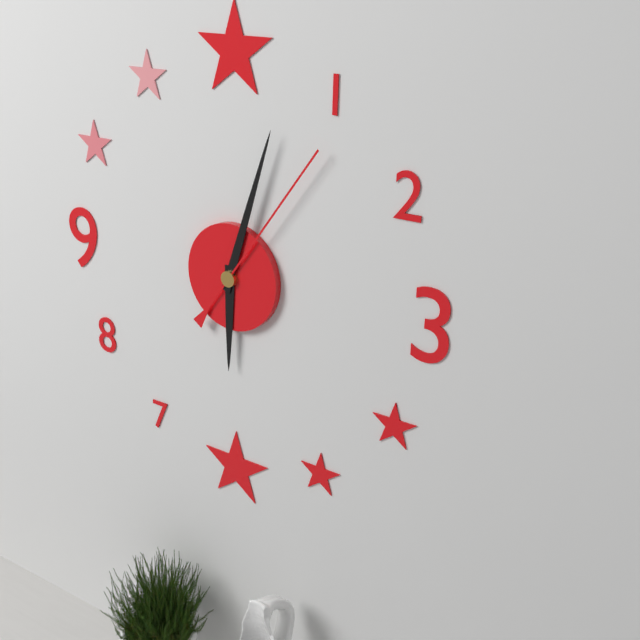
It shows 6.03.06
